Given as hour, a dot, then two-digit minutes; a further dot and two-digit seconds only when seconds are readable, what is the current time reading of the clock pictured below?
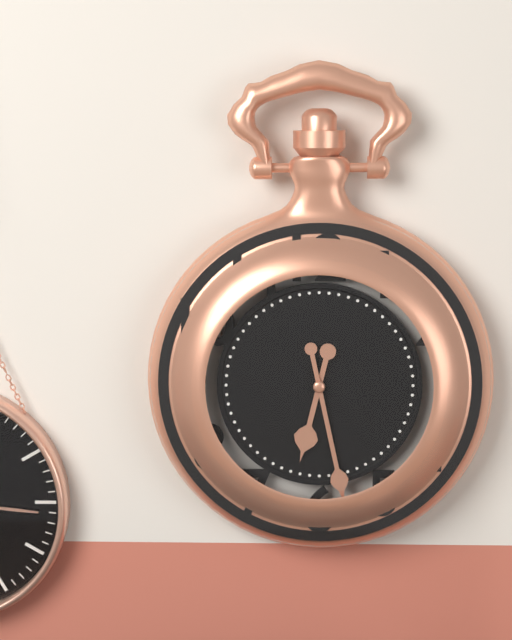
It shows 6.28
